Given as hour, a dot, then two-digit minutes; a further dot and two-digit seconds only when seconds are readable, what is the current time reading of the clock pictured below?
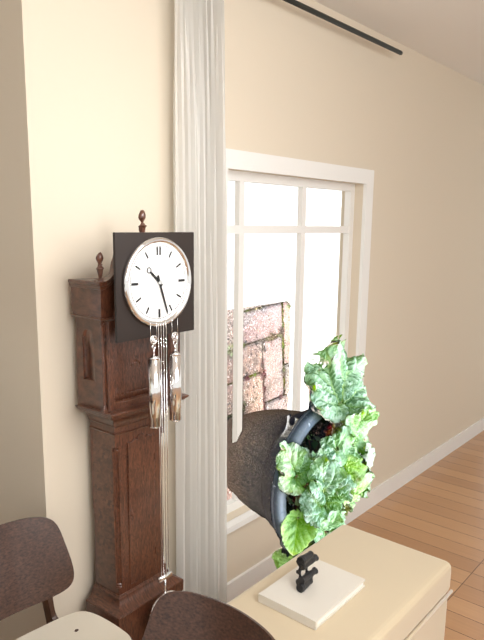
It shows 10.27
